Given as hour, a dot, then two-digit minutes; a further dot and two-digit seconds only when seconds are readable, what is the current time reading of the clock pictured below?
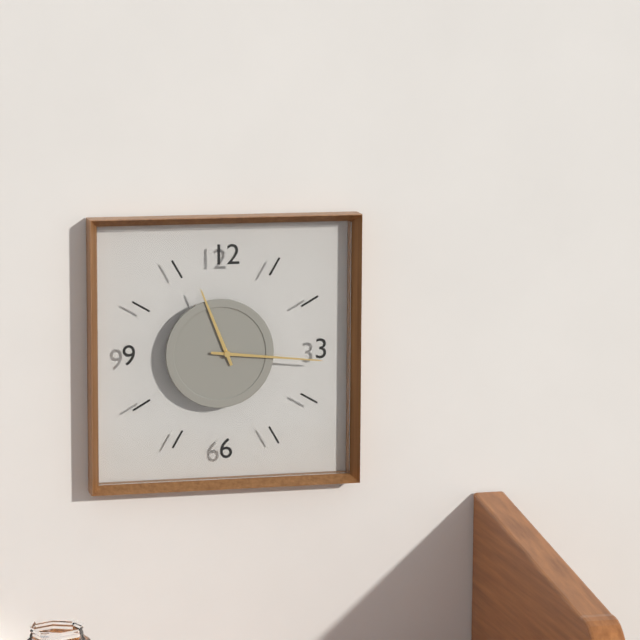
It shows 11.16
